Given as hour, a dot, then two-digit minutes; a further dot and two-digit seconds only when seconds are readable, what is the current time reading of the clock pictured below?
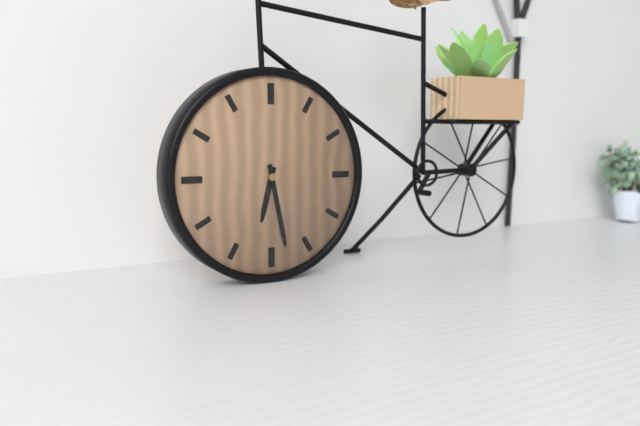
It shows 6.28
